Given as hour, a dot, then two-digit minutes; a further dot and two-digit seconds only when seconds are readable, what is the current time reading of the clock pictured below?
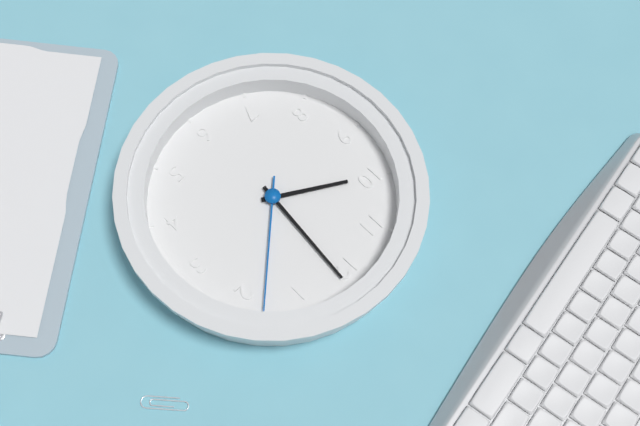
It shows 10.01.08
